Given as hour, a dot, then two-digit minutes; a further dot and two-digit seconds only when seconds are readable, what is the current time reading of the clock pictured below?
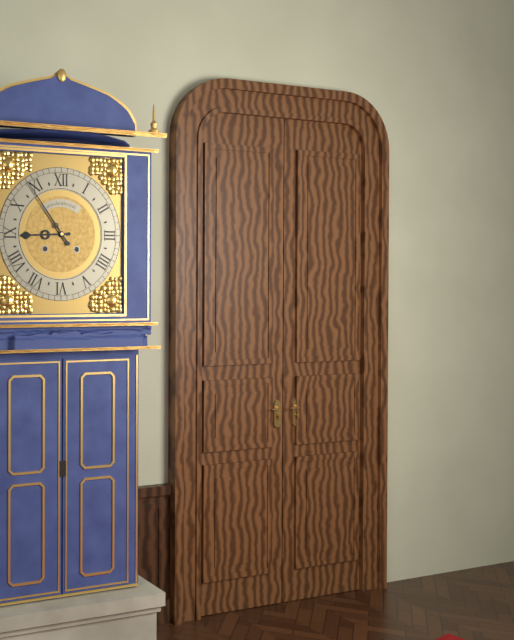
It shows 8.54
